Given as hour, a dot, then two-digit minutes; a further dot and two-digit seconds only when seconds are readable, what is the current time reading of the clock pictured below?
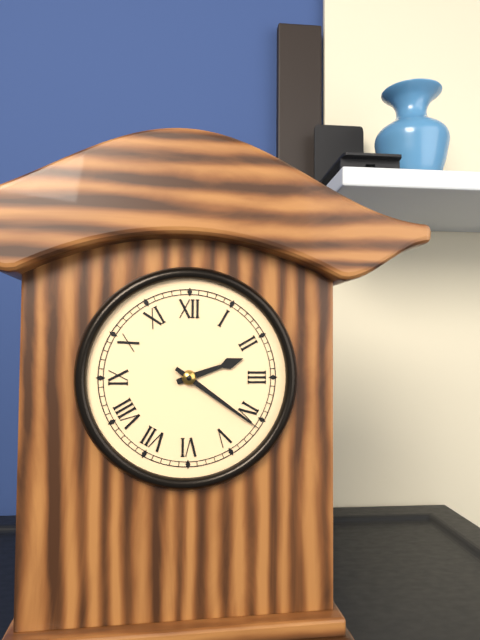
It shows 2.21
